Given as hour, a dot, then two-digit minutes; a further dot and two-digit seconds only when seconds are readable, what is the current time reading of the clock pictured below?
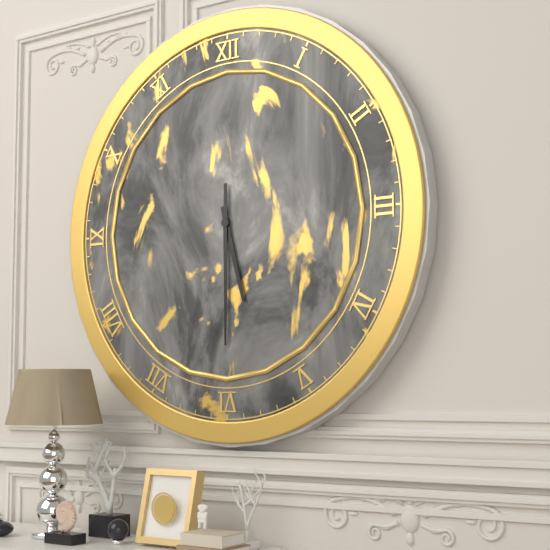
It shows 5.30
